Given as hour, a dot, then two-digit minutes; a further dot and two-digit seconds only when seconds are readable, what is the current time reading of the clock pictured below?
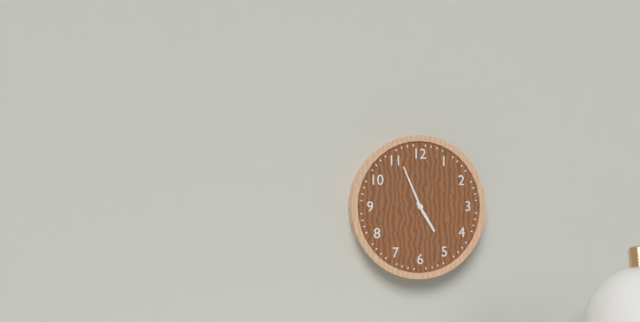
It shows 4.56
